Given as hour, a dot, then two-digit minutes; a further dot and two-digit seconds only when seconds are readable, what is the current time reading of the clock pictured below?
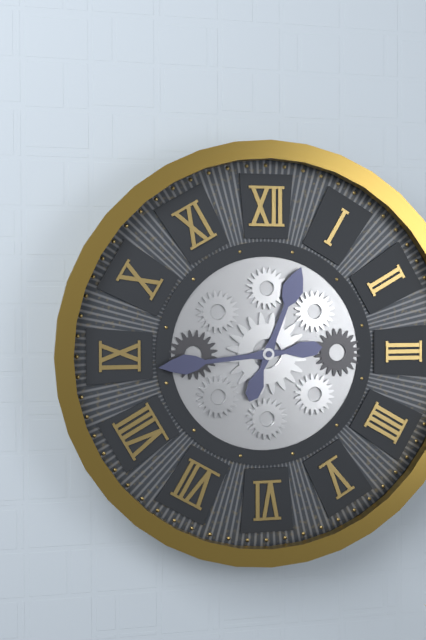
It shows 12.44
